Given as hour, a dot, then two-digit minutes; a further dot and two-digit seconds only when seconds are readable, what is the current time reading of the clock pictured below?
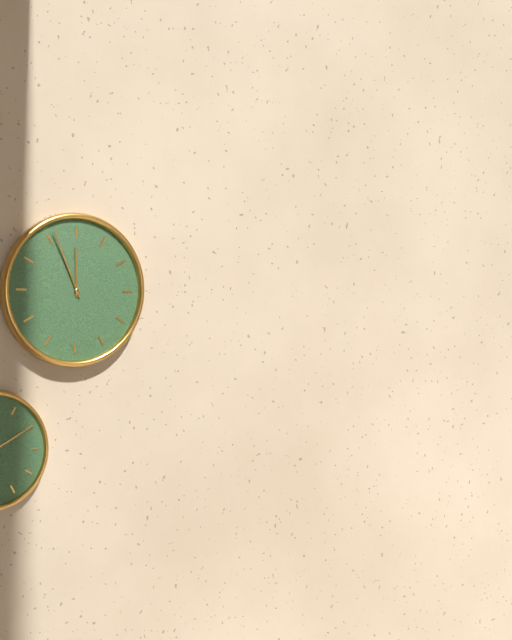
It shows 11.56
